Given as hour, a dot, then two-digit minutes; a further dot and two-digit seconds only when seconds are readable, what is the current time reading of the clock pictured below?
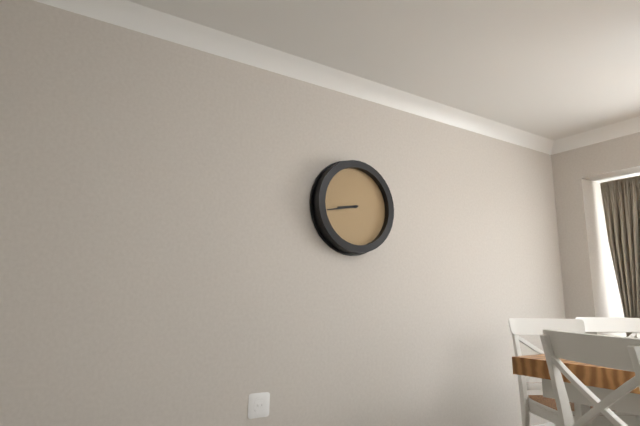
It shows 8.43
